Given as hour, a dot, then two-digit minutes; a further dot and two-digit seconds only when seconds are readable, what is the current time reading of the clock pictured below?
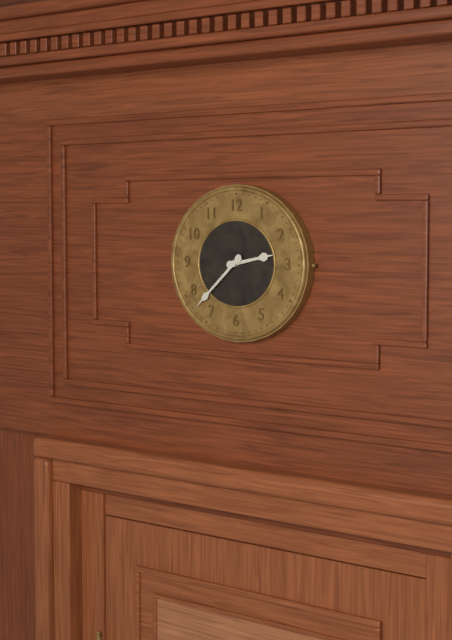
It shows 2.38
